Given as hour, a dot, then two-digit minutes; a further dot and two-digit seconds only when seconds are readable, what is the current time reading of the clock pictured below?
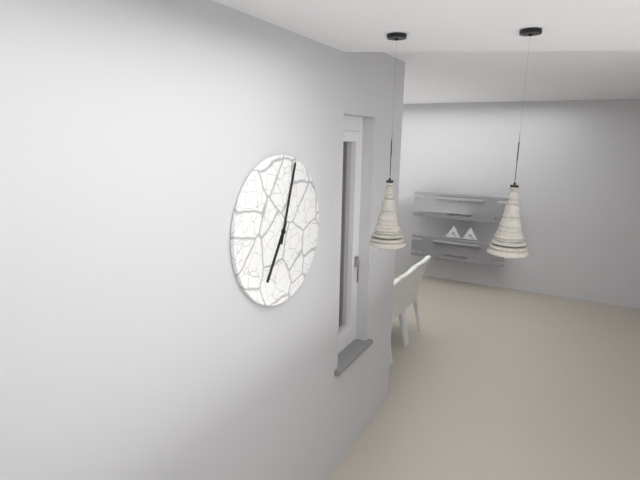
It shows 7.03
